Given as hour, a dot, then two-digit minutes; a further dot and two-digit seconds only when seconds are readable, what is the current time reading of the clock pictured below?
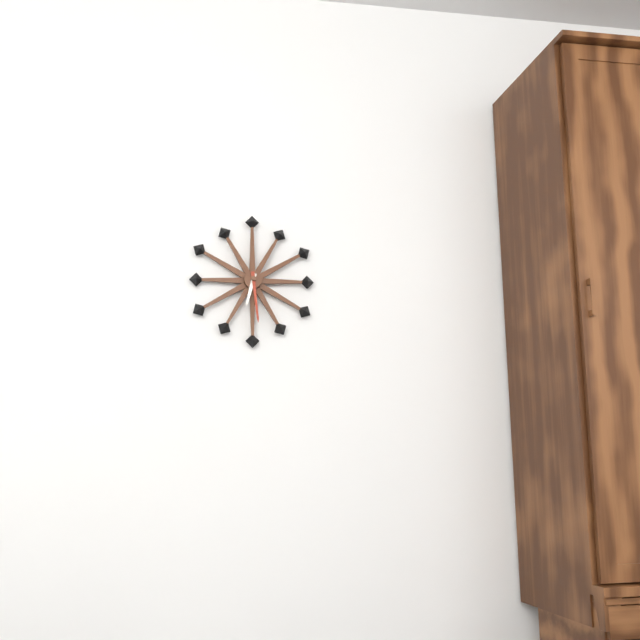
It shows 6.29
